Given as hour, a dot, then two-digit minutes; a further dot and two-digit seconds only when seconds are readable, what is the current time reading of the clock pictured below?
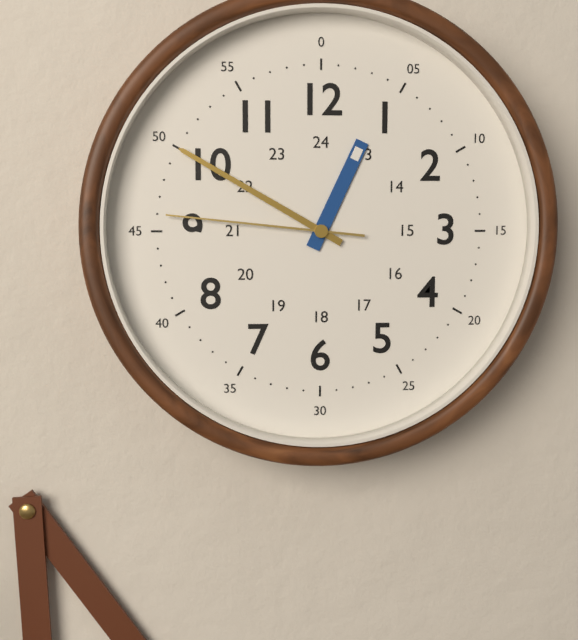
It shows 12.50.46
